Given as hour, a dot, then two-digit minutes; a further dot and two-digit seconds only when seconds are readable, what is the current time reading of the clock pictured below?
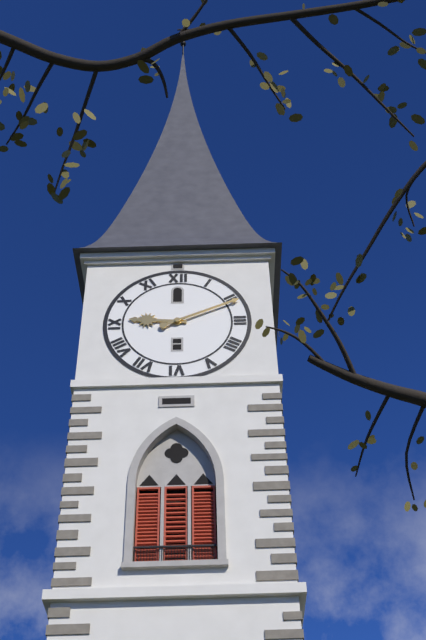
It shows 9.11
